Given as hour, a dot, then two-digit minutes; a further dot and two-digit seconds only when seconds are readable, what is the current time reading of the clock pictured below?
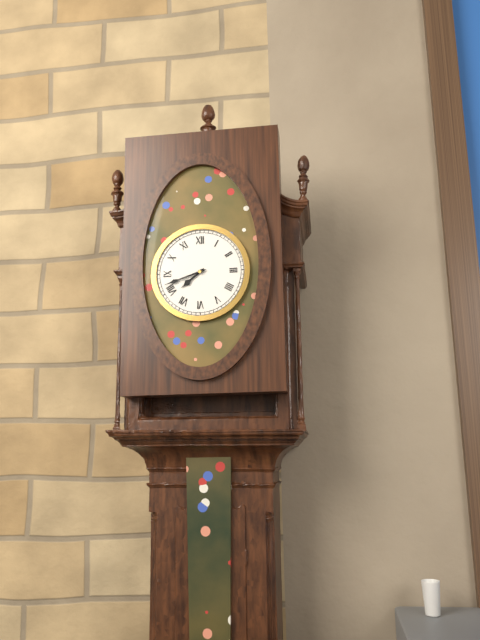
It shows 7.42
